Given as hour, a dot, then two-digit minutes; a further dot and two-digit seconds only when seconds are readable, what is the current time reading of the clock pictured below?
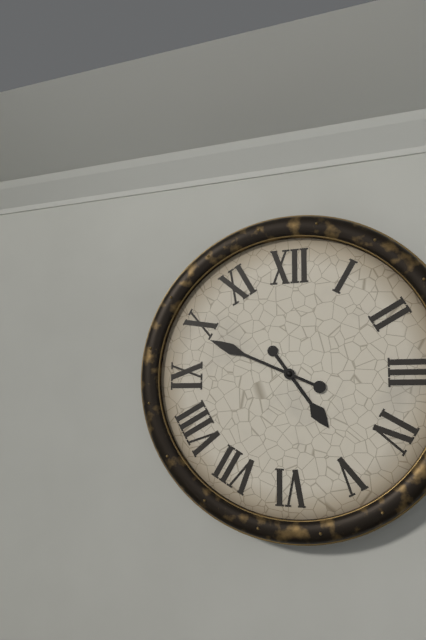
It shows 4.49
